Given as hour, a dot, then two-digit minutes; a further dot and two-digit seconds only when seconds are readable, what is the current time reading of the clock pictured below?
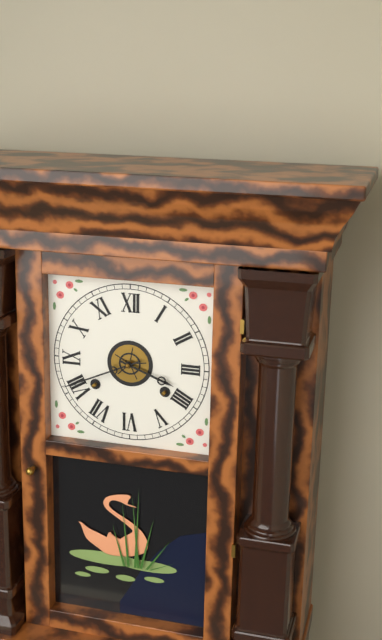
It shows 3.41
